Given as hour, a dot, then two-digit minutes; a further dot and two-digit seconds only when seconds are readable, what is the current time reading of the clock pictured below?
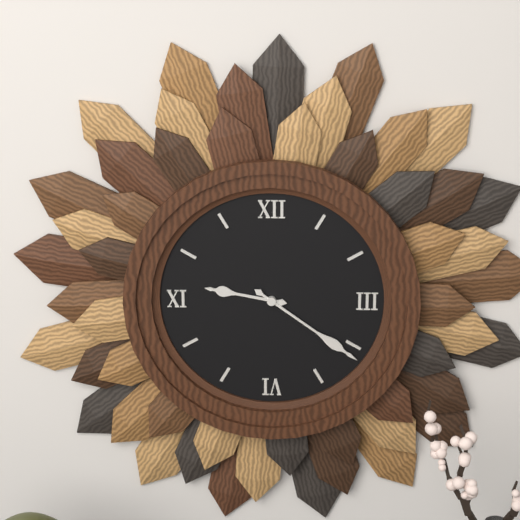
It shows 9.21
